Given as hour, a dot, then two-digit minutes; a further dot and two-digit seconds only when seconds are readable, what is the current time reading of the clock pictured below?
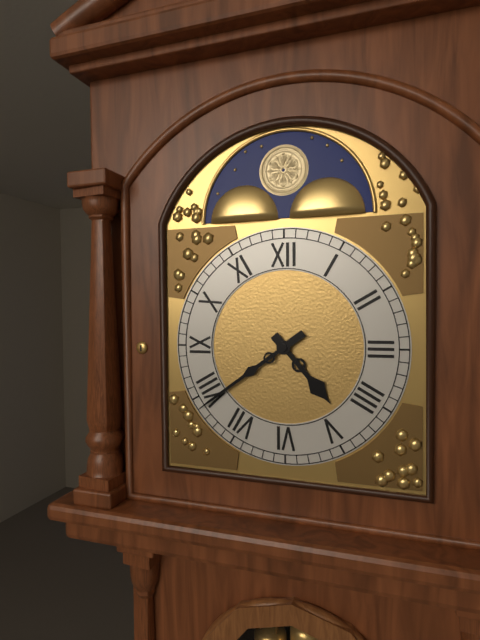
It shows 4.39
